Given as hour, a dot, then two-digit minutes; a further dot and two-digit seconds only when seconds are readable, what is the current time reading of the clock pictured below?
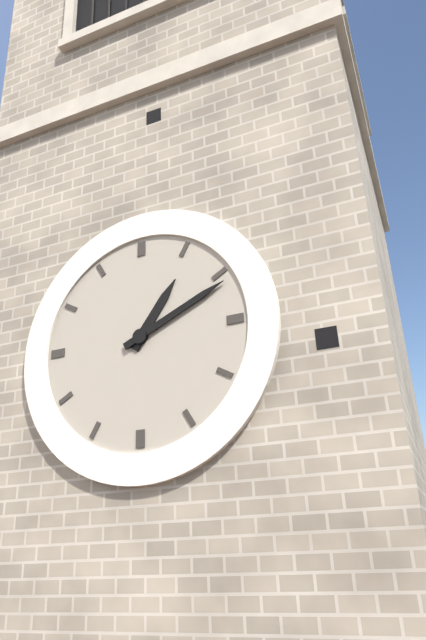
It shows 1.11
